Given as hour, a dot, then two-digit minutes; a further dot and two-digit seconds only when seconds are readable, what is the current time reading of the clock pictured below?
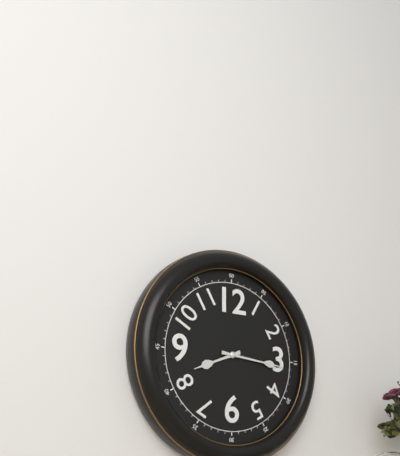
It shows 8.16
